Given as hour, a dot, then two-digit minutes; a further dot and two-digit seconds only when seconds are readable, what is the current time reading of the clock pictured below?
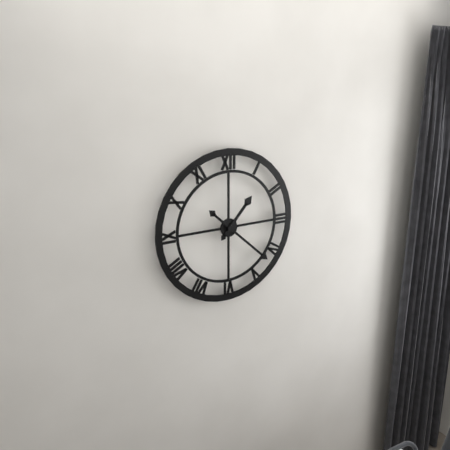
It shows 1.22
